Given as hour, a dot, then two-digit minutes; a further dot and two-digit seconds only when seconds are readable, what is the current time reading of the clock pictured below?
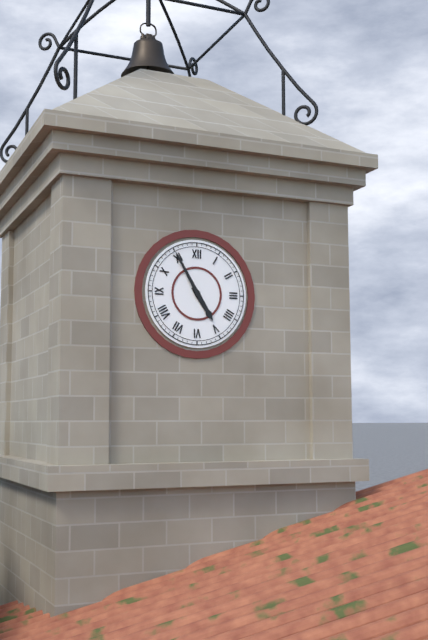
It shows 4.55
